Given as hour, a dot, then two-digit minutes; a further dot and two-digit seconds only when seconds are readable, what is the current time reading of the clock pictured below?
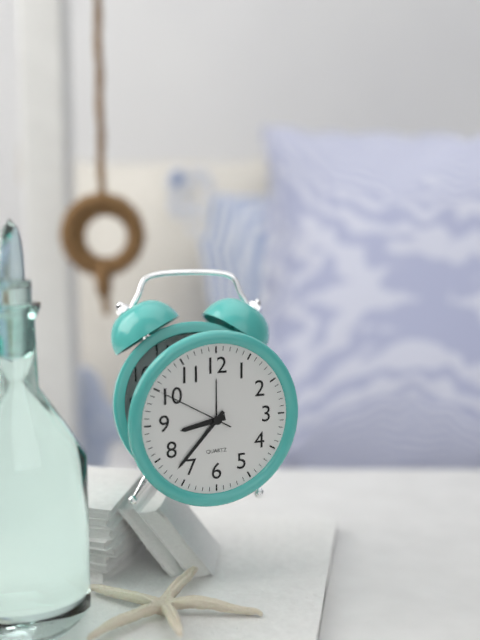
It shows 8.37.50
